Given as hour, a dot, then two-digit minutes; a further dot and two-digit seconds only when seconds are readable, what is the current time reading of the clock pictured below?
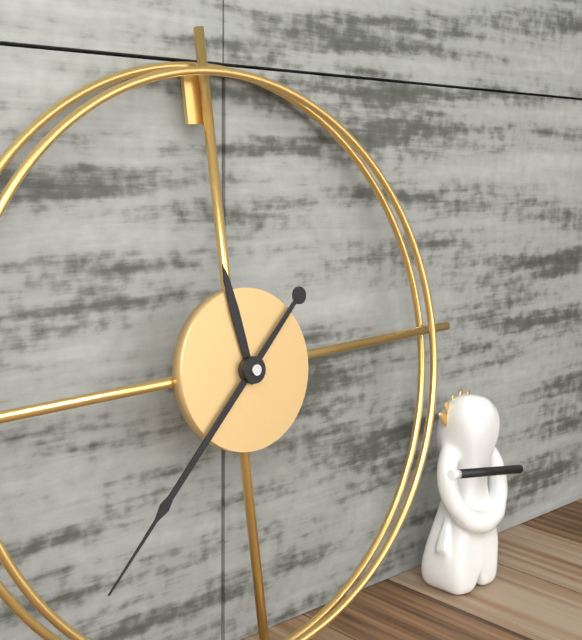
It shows 11.38
